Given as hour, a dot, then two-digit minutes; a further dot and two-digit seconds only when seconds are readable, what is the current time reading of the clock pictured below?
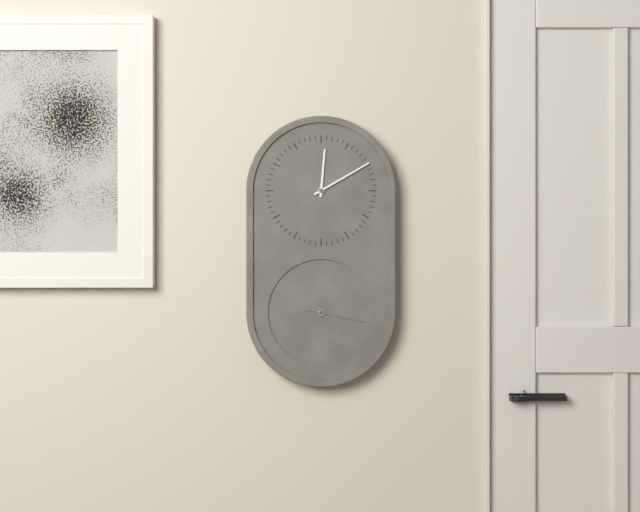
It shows 12.10.17
